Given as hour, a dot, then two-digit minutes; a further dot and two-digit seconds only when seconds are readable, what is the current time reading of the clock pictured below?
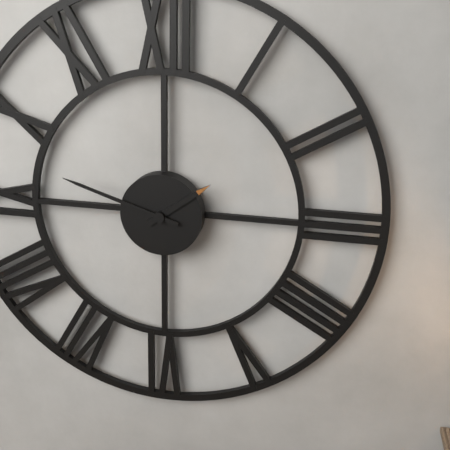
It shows 1.48
